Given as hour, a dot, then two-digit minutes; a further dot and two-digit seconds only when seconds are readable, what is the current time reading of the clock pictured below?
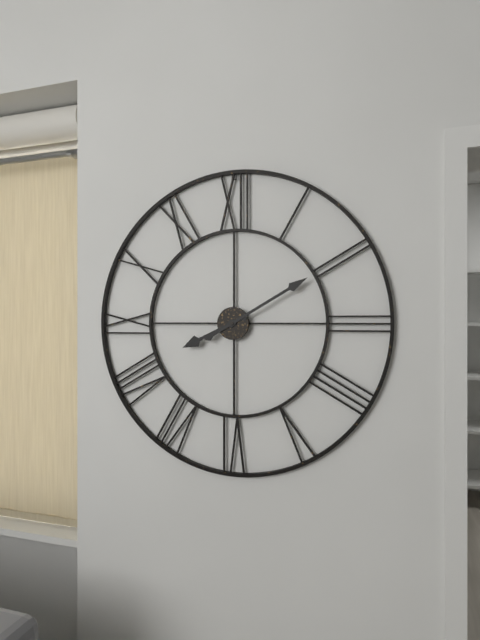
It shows 8.10
